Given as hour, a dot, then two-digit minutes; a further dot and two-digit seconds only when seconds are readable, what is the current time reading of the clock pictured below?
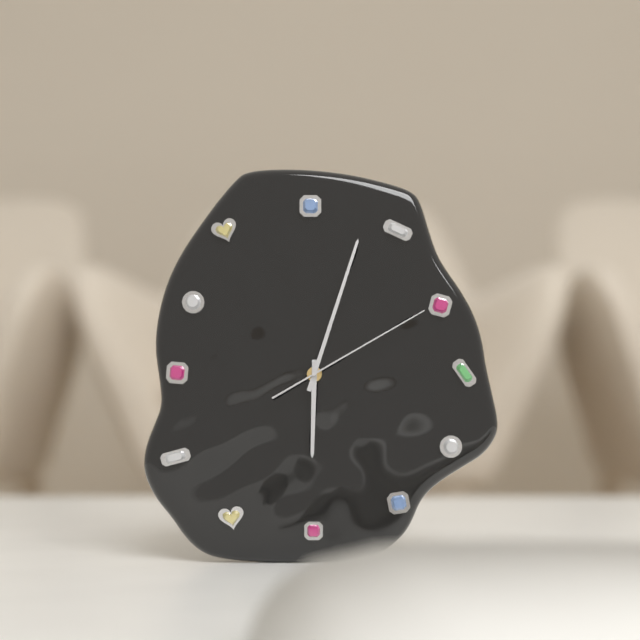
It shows 6.03.10
